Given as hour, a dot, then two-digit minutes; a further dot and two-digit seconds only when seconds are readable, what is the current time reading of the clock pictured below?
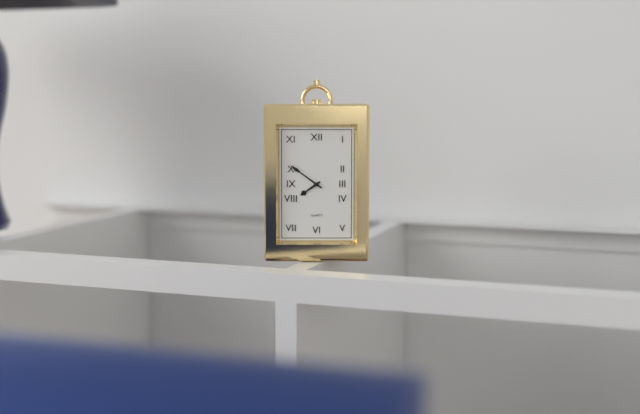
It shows 7.51
